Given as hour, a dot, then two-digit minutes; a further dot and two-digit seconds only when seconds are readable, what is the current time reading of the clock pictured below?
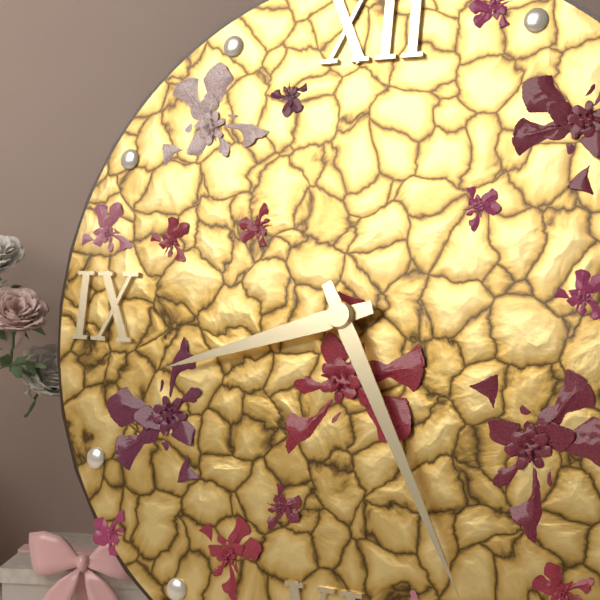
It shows 8.25
